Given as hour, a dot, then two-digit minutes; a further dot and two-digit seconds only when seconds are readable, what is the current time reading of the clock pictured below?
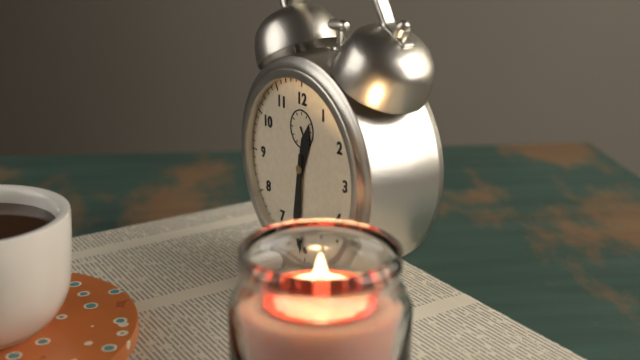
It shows 12.31
